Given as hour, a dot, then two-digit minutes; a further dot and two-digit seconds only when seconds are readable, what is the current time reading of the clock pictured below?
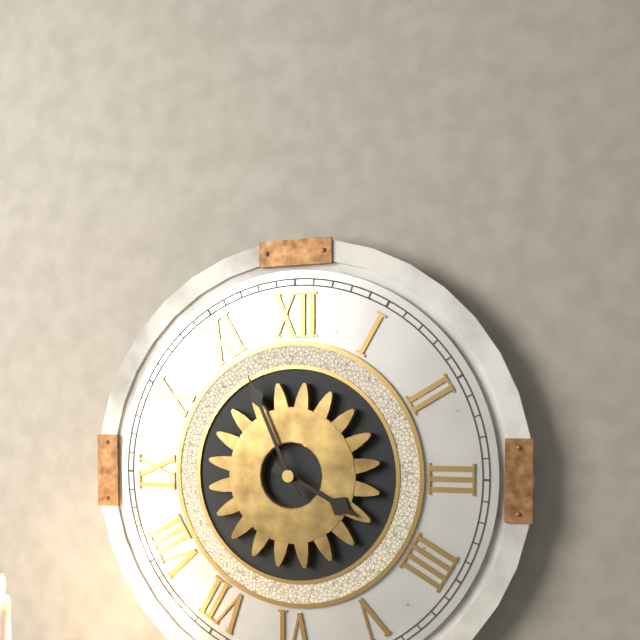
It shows 3.56
